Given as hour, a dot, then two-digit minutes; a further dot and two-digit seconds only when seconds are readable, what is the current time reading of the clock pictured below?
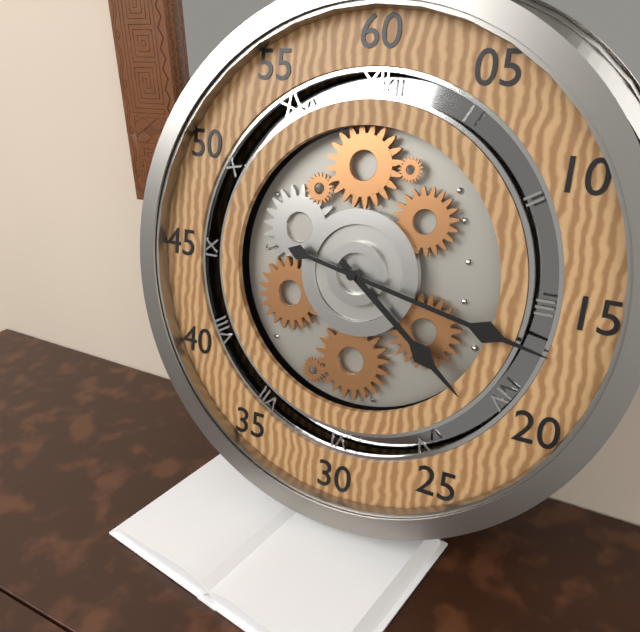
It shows 4.17
